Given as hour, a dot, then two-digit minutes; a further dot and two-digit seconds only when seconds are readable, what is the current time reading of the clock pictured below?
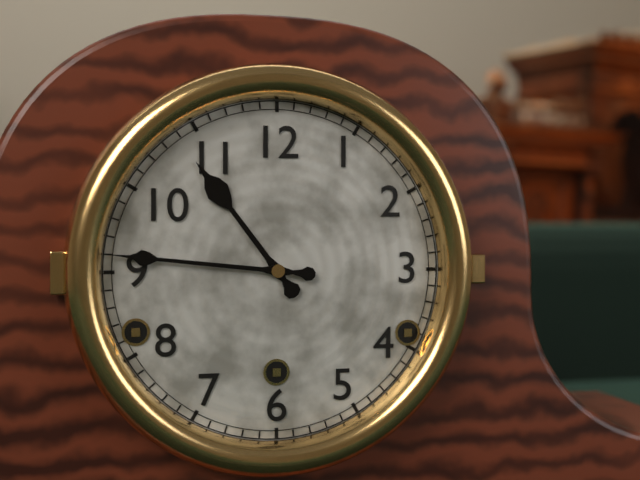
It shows 10.46
